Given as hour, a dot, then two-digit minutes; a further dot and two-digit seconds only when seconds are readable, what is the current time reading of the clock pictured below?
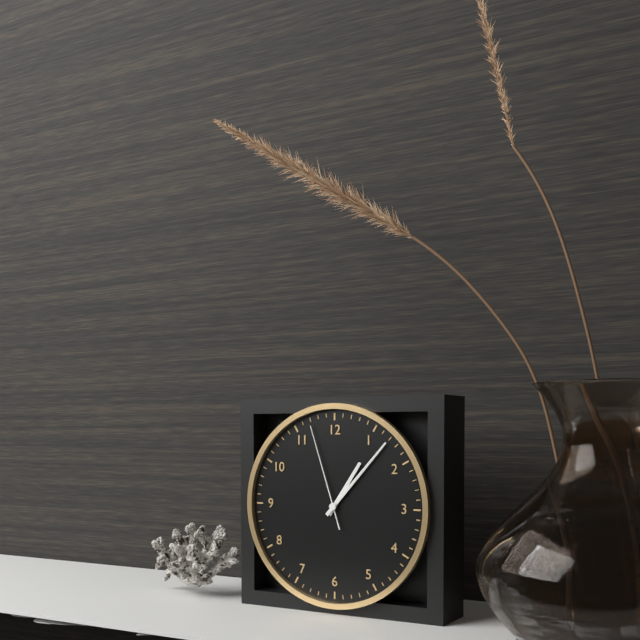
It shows 1.07.57
